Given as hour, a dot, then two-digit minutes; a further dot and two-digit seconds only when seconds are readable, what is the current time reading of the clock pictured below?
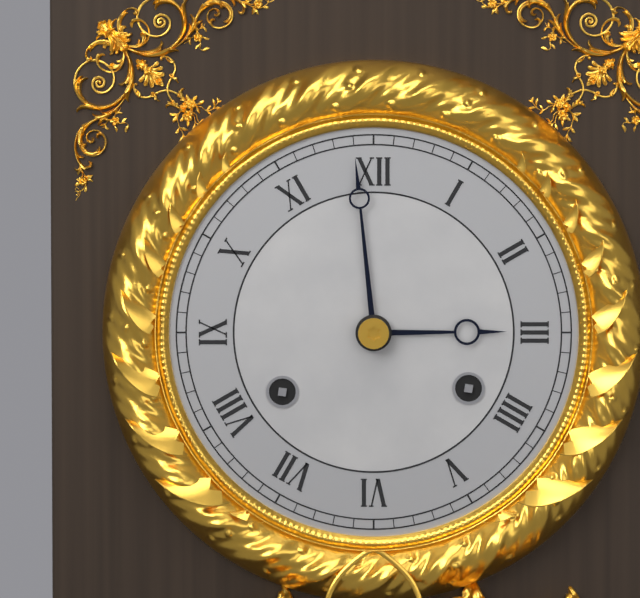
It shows 2.59
